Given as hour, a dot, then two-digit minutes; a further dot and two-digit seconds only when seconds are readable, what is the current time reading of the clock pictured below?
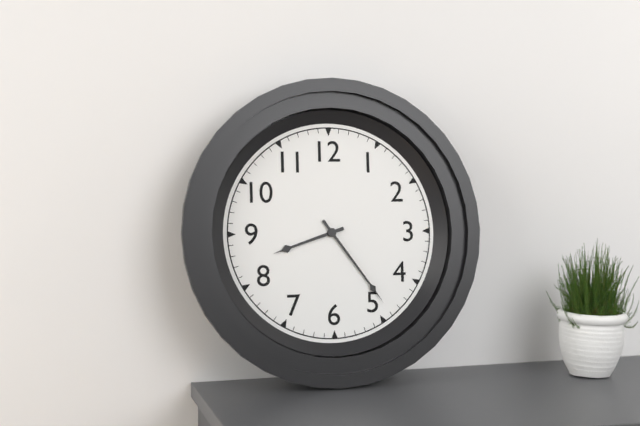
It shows 8.24
